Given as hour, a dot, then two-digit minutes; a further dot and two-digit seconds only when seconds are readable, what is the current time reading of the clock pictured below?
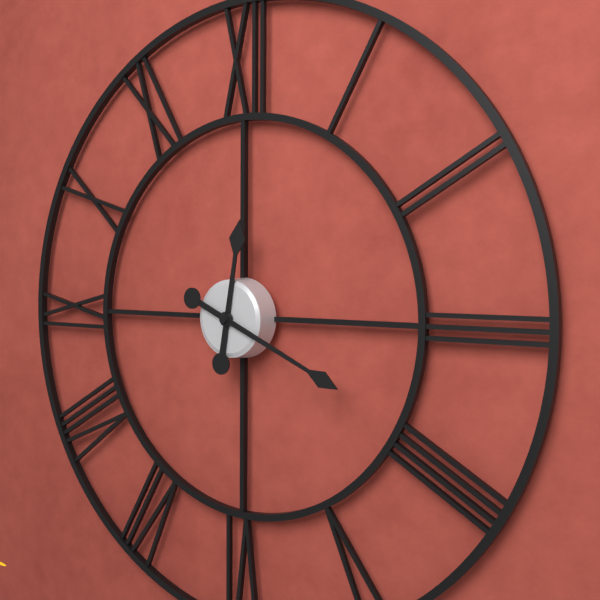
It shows 12.19
